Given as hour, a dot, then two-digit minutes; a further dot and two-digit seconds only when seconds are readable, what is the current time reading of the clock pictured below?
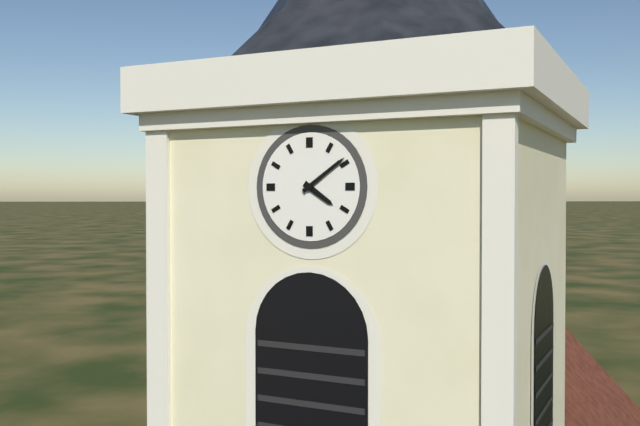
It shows 4.09
